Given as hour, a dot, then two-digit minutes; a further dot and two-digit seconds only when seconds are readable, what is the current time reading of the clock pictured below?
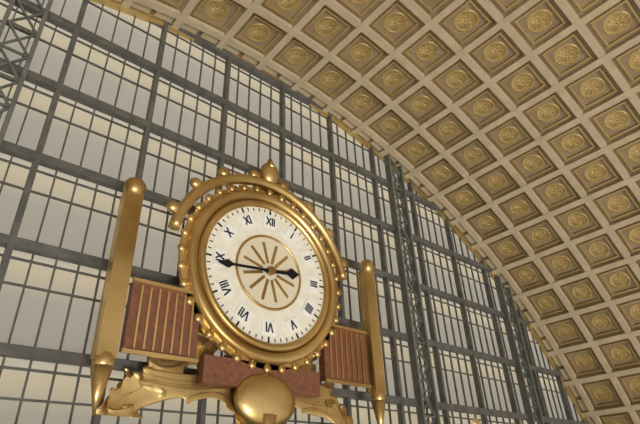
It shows 2.44
